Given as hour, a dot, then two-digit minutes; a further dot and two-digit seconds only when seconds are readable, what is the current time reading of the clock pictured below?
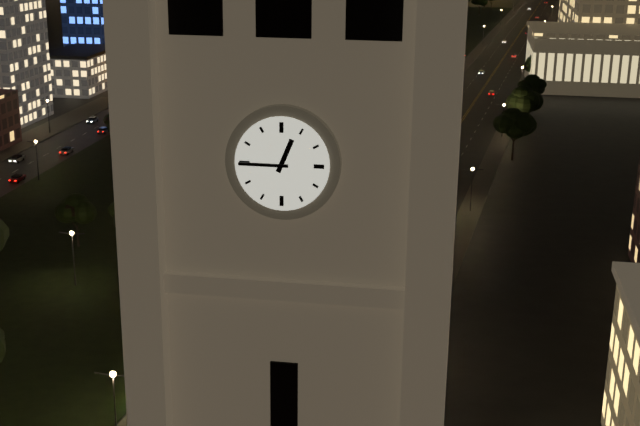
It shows 12.45
